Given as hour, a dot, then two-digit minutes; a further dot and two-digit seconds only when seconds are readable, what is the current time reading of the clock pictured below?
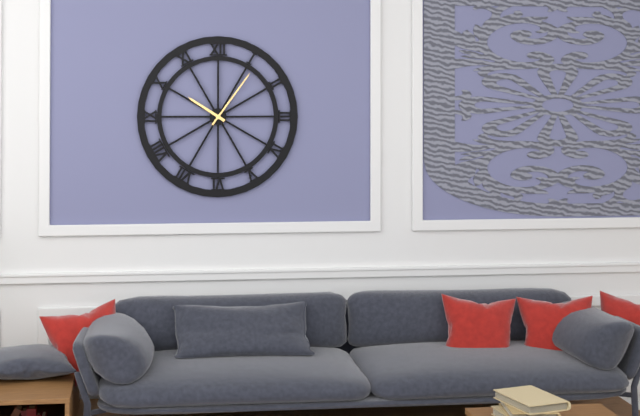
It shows 10.06
